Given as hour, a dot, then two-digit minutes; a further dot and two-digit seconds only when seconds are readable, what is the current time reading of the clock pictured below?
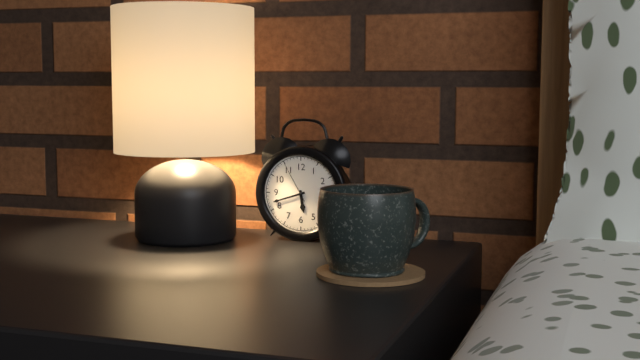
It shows 5.42
